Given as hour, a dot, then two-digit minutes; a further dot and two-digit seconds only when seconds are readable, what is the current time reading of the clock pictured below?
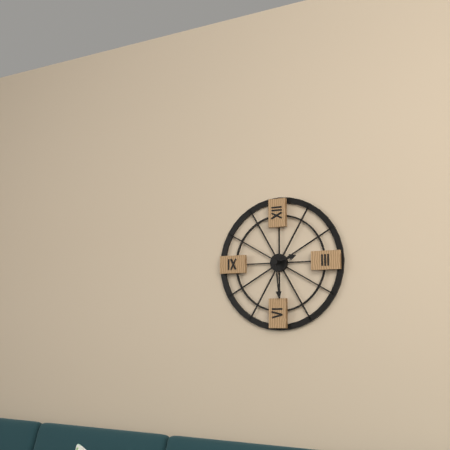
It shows 2.29
